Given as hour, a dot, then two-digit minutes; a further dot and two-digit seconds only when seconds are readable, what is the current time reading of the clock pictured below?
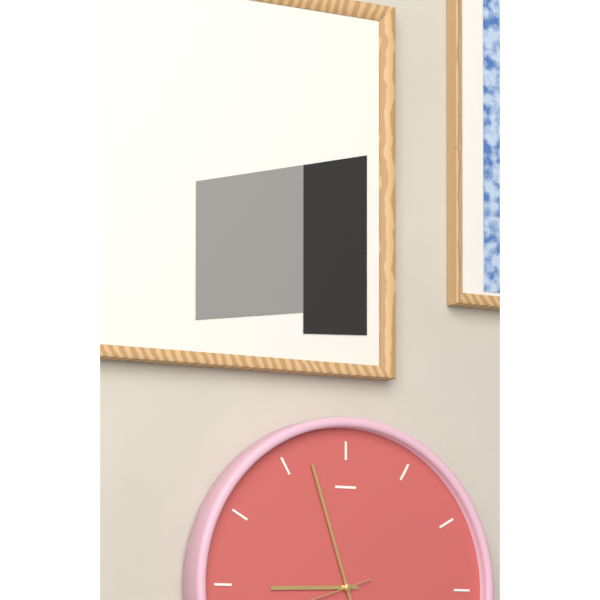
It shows 8.57
